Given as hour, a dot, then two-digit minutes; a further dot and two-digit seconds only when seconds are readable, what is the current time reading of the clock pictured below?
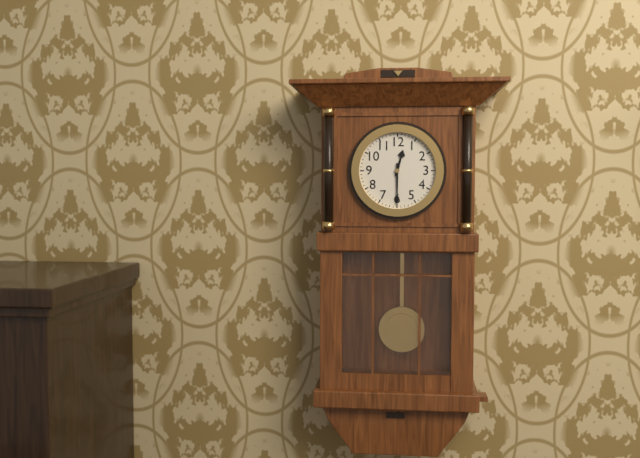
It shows 12.30
